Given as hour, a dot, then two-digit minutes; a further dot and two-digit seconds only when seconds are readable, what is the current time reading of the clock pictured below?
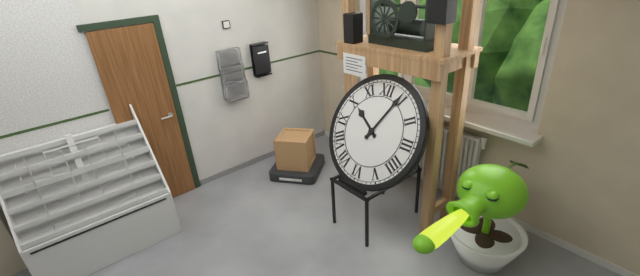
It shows 10.04
